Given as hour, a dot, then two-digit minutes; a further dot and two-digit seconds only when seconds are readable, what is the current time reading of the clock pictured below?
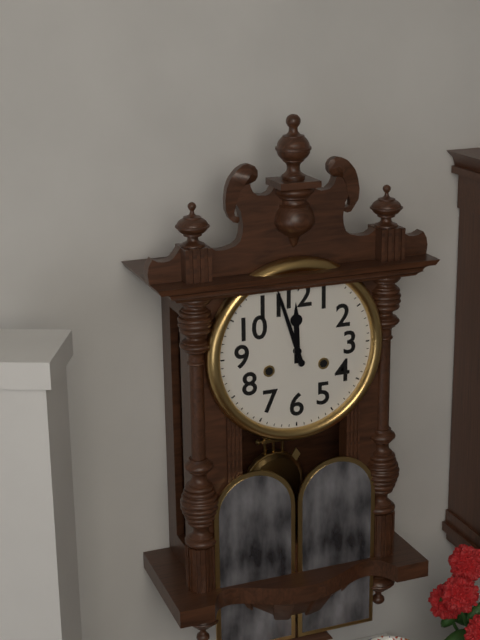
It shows 11.57
